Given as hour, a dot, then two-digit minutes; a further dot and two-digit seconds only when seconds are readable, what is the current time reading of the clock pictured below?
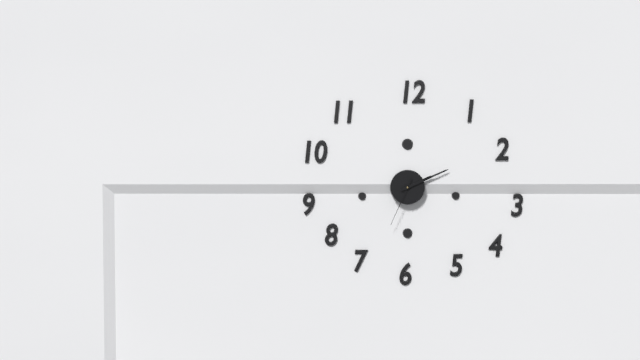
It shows 2.11.34
